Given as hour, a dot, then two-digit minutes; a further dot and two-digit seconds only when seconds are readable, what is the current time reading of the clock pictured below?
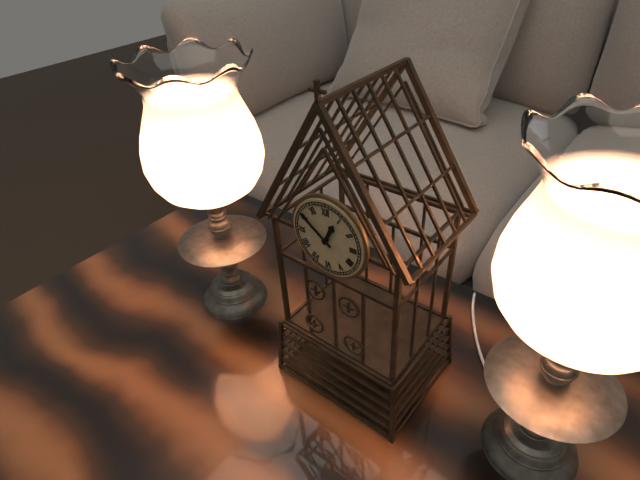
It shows 12.51
